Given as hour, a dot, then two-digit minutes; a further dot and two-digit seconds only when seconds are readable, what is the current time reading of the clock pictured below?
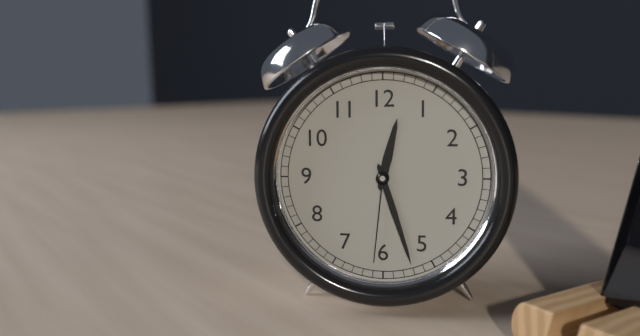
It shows 12.27.31
